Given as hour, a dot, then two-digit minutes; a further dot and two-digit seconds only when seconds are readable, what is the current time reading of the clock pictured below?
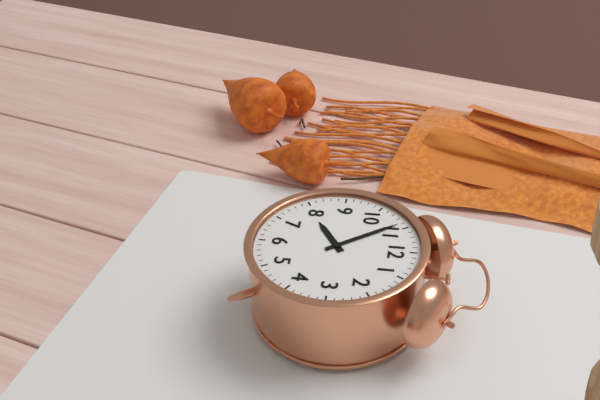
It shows 7.54
